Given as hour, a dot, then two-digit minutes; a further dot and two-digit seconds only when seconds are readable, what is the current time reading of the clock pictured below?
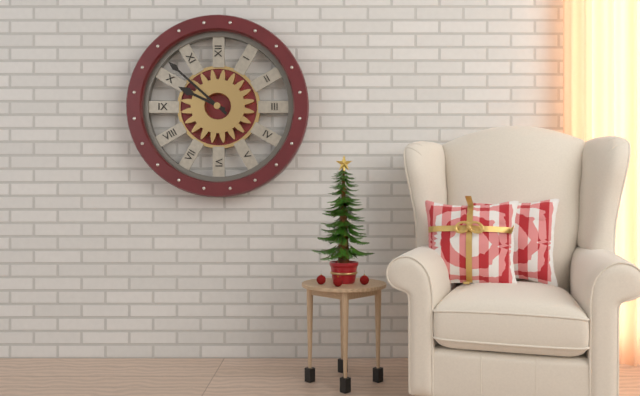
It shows 9.52
